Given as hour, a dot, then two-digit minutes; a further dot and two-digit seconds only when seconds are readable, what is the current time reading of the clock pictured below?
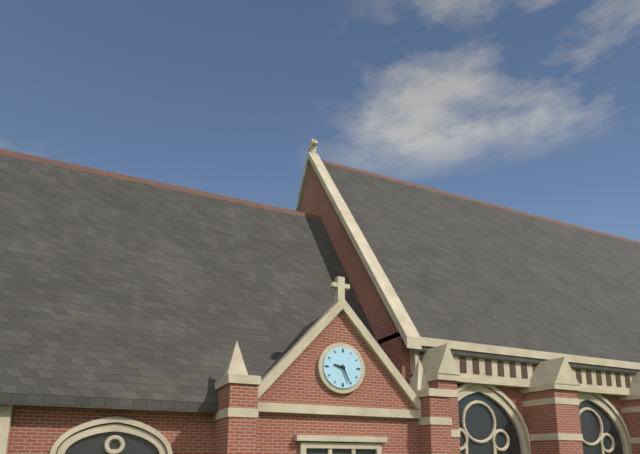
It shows 9.26
